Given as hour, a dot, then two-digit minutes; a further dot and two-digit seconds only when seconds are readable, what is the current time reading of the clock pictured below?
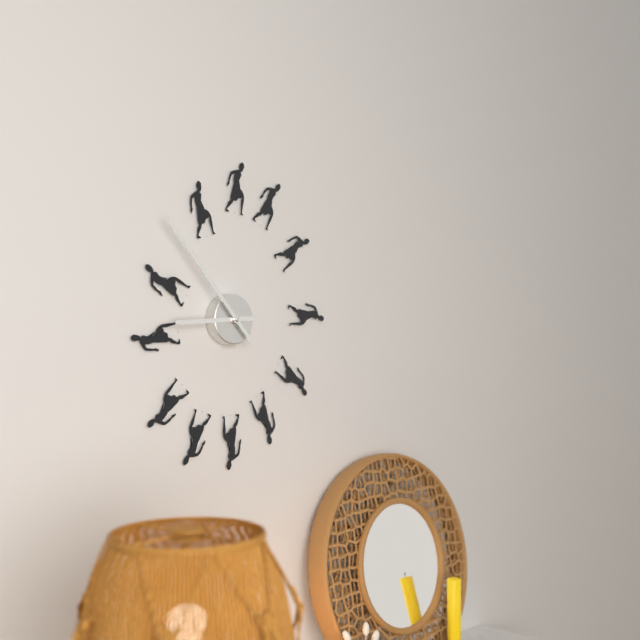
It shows 8.53
